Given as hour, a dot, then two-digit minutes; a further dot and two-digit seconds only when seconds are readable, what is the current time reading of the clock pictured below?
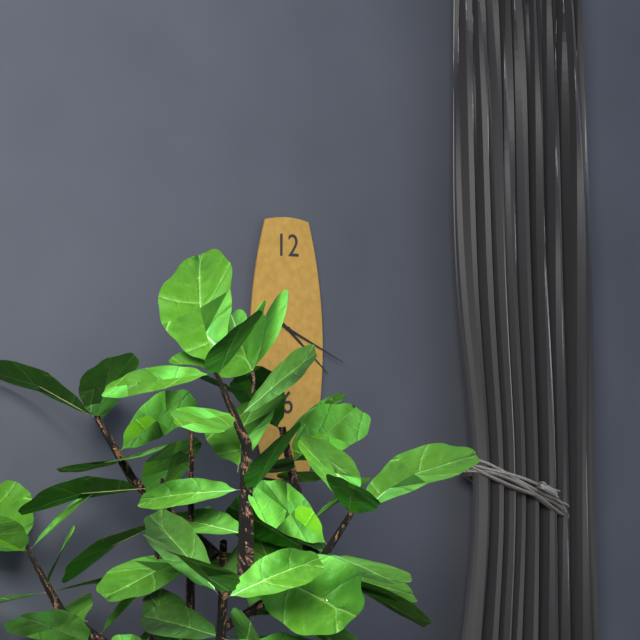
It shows 4.19
